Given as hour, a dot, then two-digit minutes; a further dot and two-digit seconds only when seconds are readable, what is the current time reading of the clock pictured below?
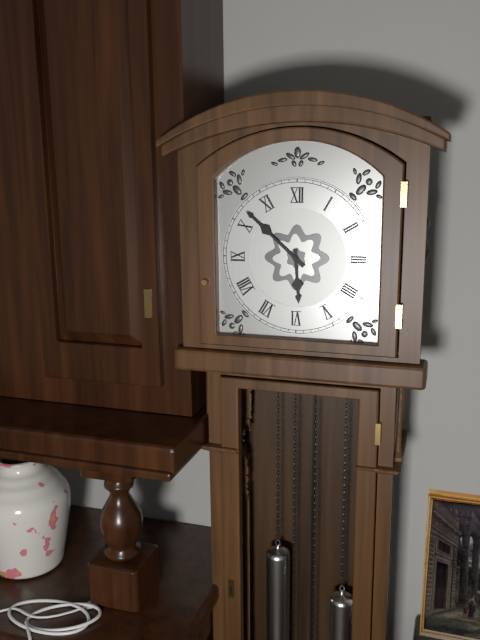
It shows 5.52
